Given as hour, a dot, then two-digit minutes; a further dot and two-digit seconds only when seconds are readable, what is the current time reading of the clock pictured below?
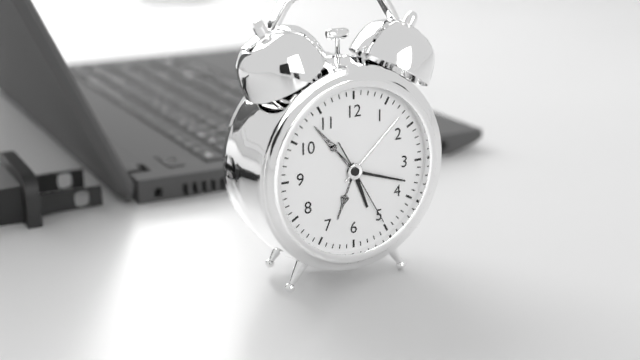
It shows 5.18.25
